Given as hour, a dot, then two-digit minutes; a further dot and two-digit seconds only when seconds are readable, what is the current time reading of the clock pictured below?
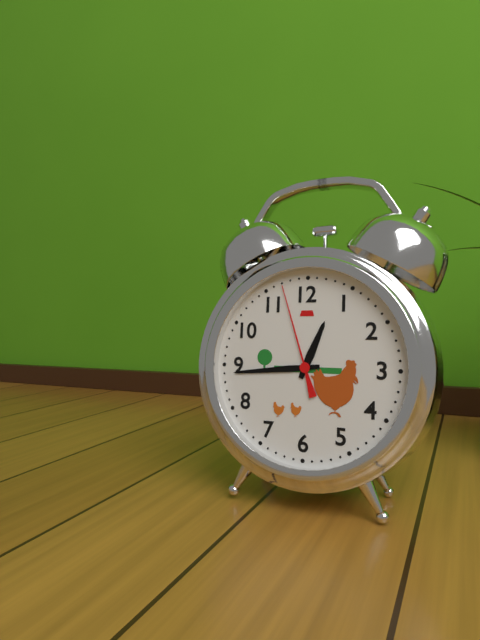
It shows 12.44.57
